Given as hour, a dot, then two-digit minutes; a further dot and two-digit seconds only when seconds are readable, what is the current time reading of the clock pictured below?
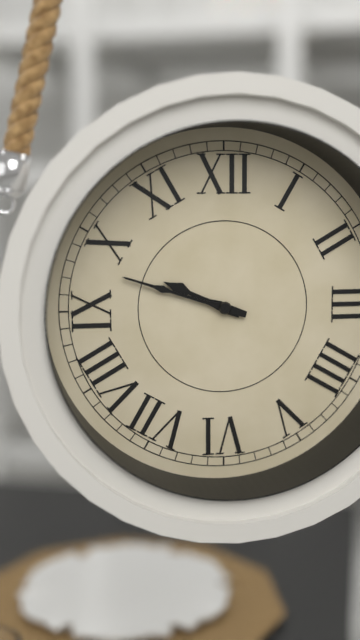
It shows 9.48
